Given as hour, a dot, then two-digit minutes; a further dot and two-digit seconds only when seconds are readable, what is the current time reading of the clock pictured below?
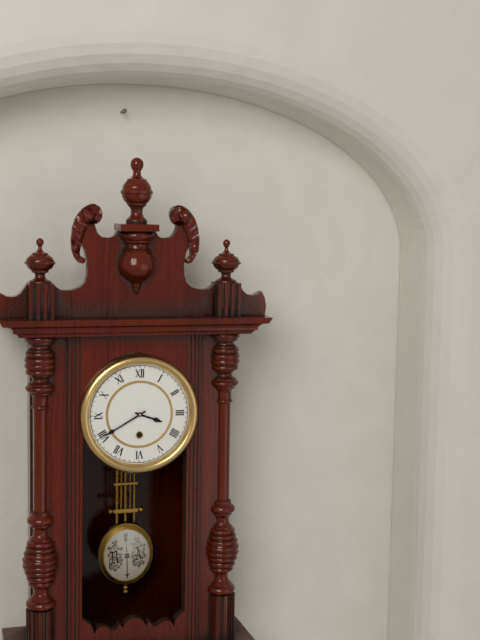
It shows 3.40
